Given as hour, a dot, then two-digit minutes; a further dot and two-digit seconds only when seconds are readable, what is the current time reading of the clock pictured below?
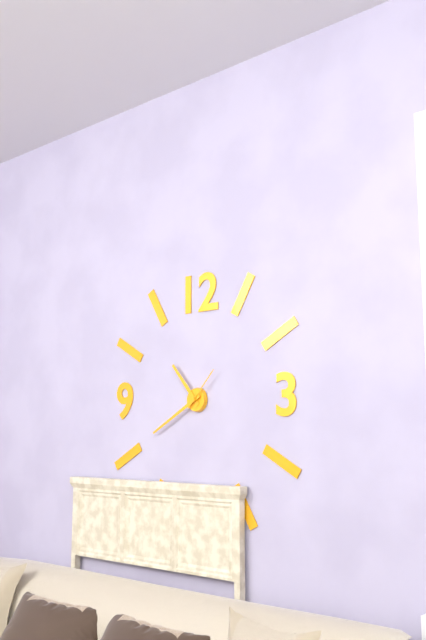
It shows 10.40
